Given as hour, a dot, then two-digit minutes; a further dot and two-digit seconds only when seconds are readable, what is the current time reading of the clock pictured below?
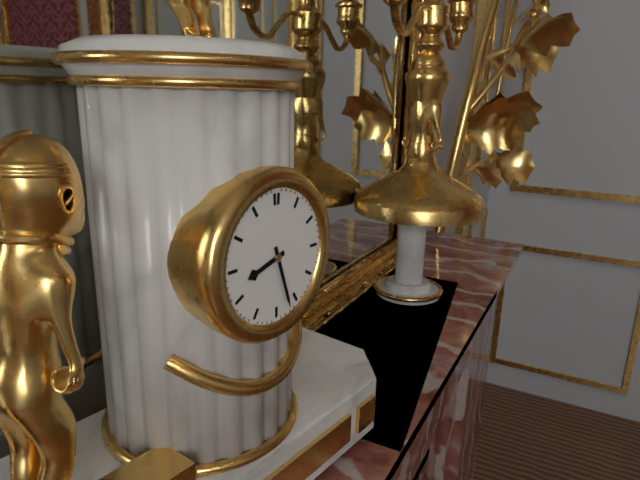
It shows 8.27
